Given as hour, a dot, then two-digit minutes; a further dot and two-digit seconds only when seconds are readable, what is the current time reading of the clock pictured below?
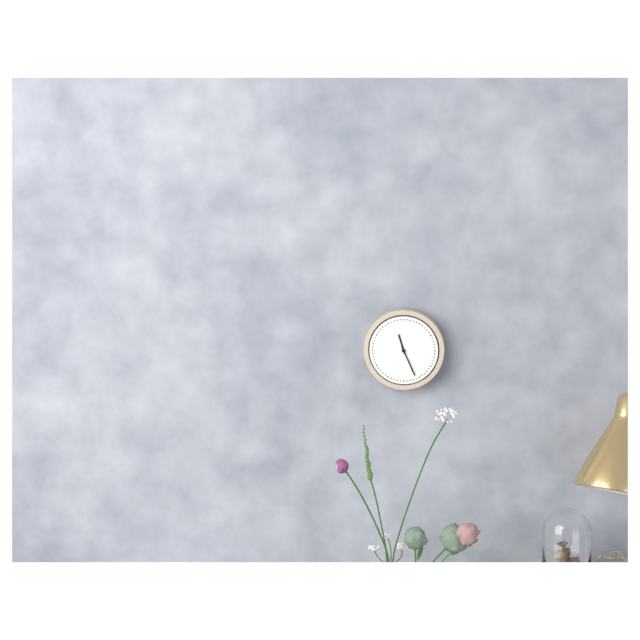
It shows 11.26
